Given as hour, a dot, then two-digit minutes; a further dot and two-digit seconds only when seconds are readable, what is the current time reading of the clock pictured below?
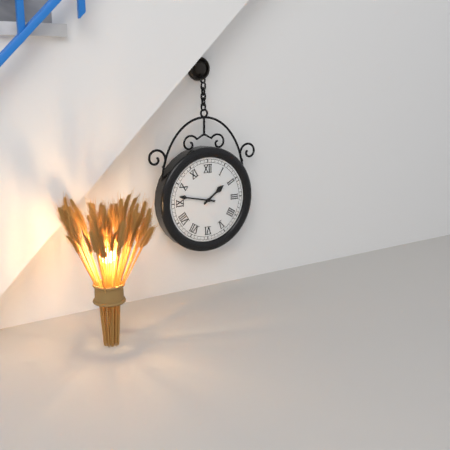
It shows 1.47
